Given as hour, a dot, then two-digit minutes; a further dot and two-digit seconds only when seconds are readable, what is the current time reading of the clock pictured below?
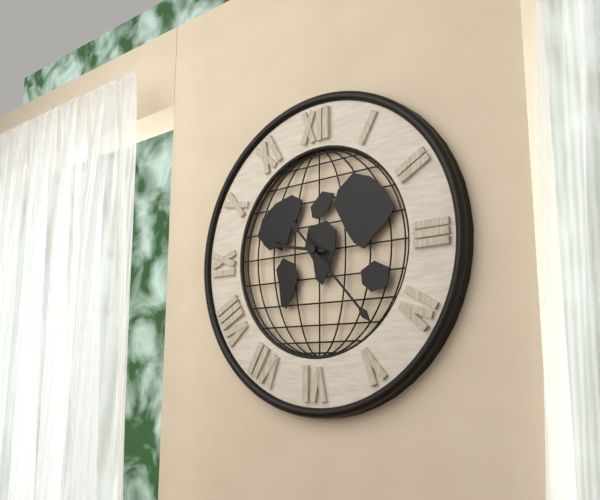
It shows 9.23
